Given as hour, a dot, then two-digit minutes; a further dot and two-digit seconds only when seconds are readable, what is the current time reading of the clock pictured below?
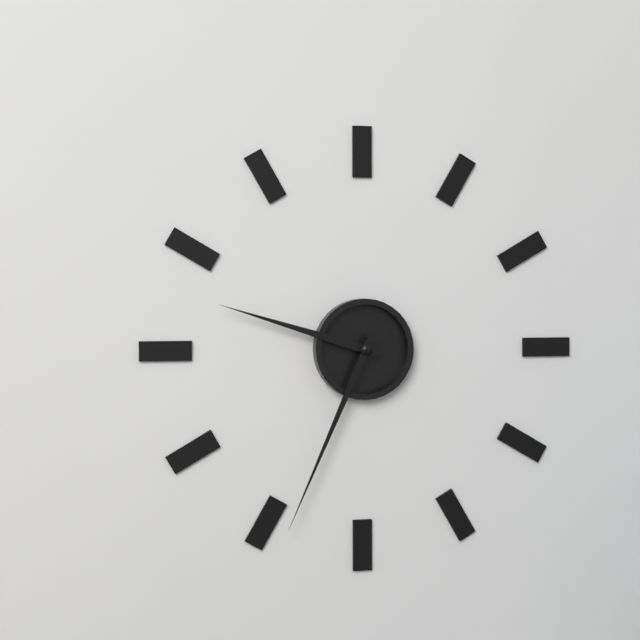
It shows 9.34
